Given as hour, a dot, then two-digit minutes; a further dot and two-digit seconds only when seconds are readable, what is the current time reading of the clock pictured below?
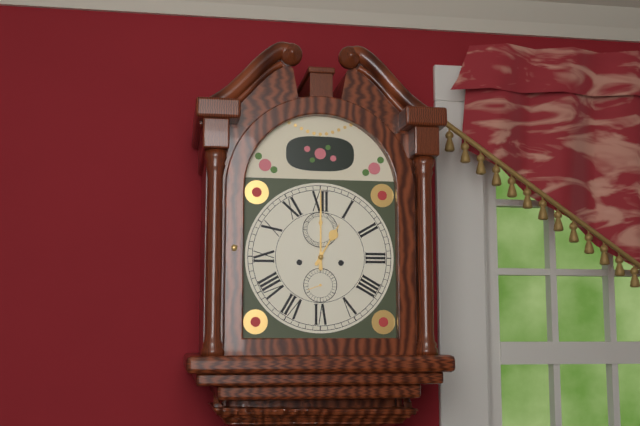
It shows 1.00
